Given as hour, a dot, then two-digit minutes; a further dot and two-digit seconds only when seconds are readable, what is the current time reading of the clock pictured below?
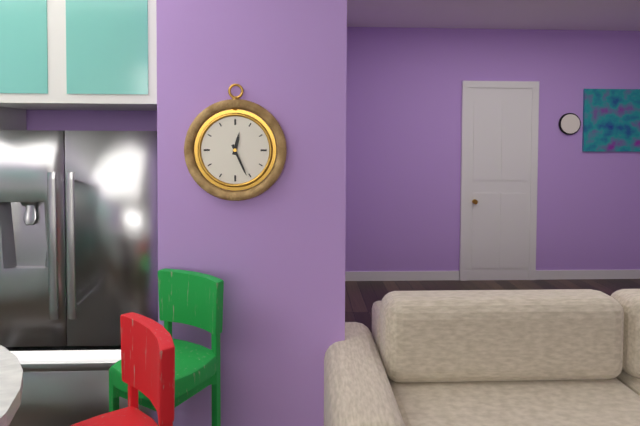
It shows 12.26
